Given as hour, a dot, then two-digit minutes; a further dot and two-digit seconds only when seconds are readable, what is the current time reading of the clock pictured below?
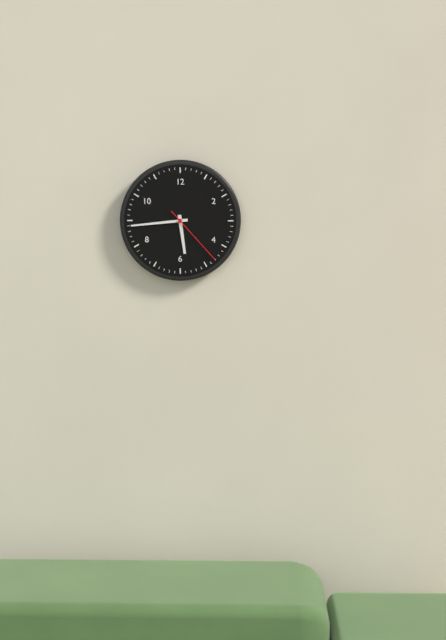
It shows 5.44.23
